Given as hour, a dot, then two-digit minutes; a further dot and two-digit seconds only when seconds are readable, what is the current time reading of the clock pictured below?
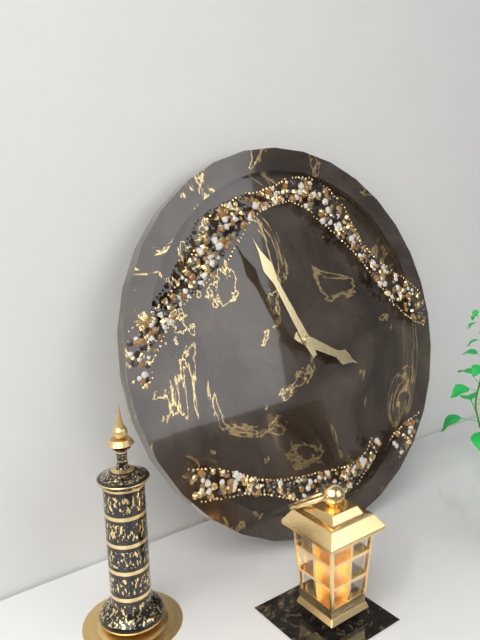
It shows 3.56
